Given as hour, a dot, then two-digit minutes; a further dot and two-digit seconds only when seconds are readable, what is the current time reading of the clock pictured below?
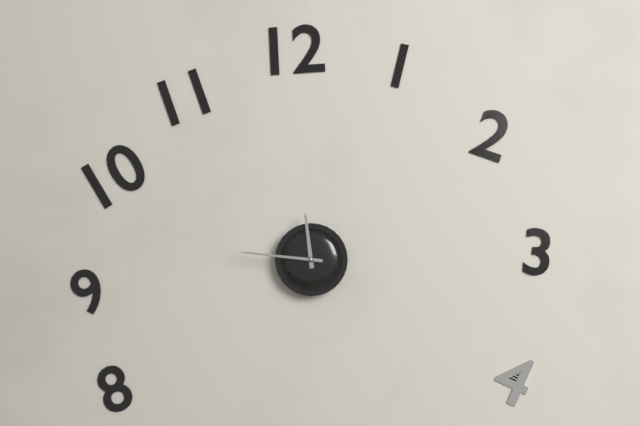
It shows 11.46
